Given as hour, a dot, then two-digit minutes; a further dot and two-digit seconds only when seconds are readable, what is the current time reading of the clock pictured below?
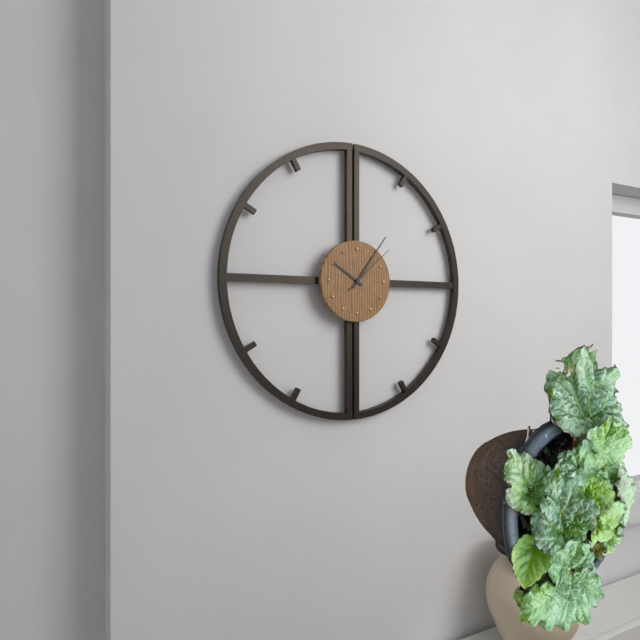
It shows 10.06.08
